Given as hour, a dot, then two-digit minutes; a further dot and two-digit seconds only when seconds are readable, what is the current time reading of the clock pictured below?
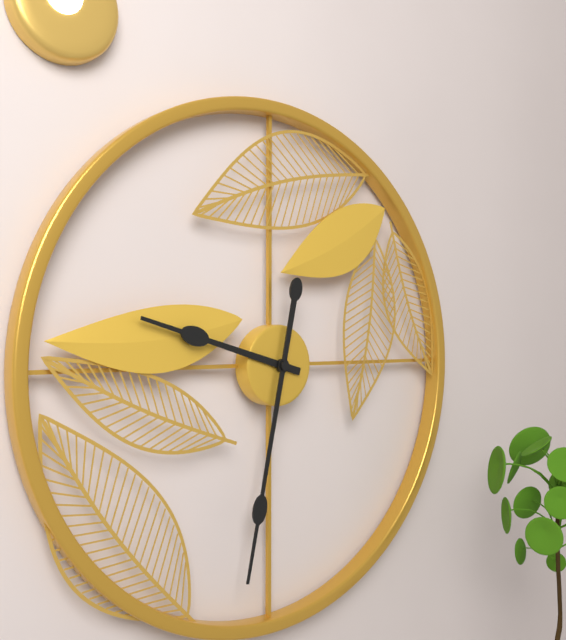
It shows 9.32
